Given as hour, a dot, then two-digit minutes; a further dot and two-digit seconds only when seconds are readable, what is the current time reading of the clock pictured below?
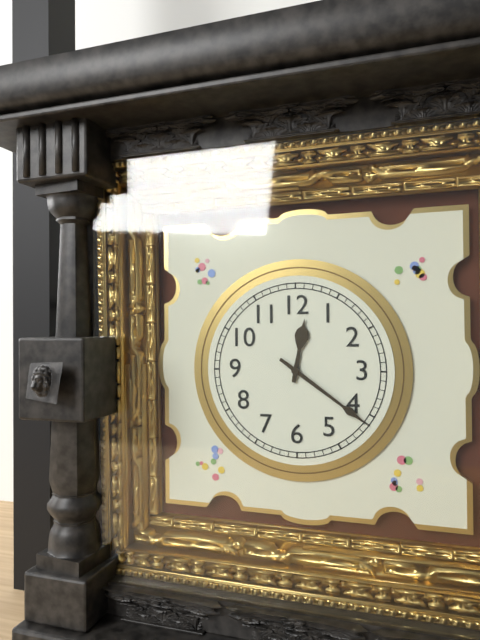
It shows 12.21
